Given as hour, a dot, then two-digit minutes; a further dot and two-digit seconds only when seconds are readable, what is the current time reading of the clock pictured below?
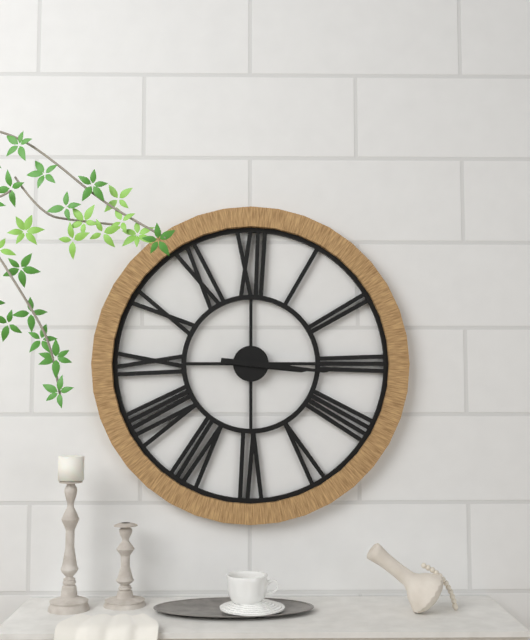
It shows 3.16
